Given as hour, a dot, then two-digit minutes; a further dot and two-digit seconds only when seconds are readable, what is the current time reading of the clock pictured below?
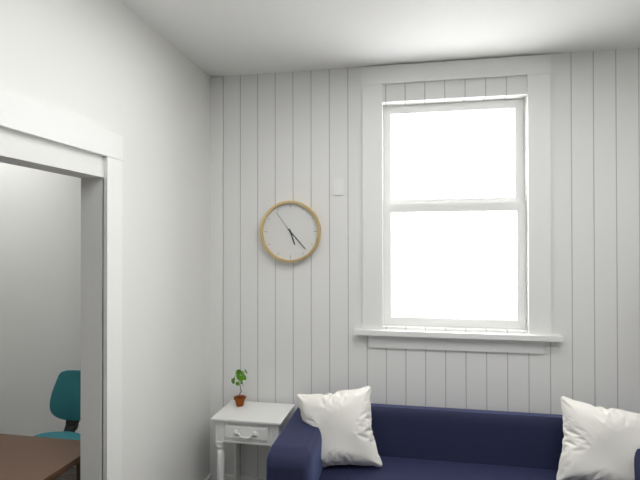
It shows 5.23
